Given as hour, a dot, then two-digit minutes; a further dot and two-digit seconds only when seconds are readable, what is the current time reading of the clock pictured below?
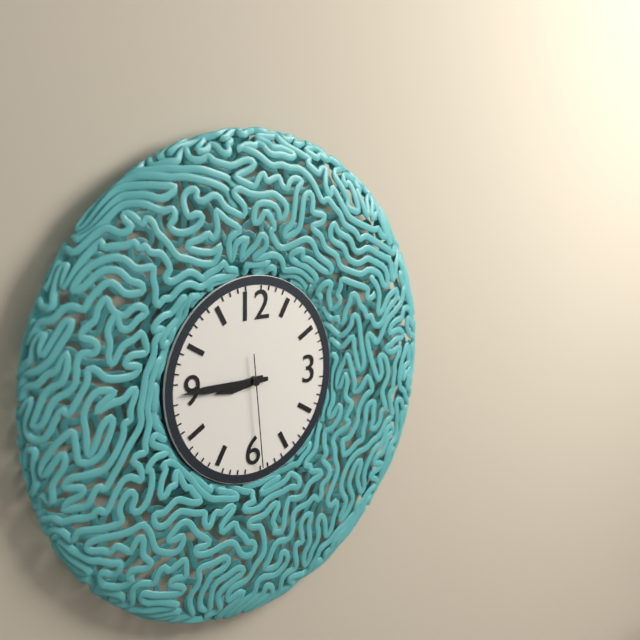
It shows 8.45.29
